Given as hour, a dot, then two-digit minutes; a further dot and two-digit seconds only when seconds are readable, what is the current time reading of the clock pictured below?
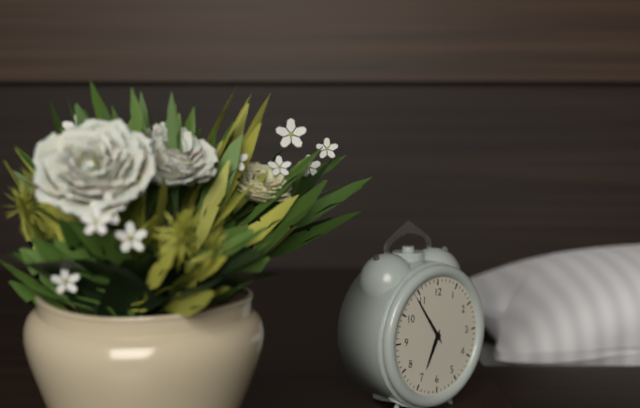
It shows 6.54
